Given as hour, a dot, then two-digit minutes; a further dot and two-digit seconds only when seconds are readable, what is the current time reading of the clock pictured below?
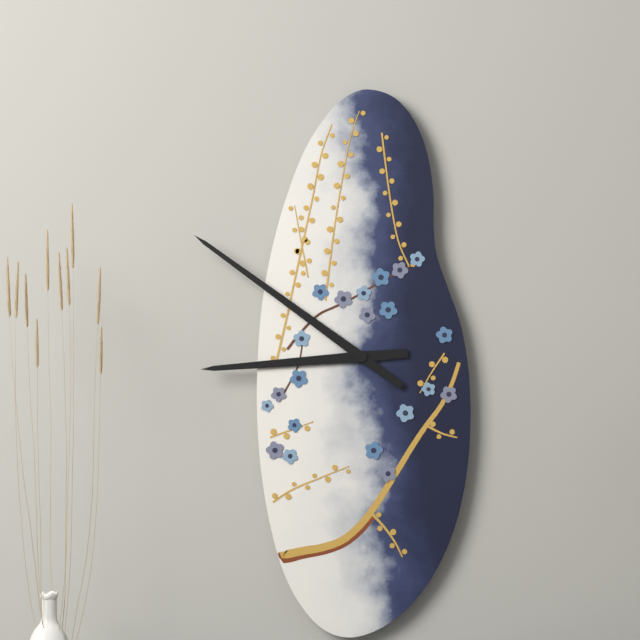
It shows 8.51
